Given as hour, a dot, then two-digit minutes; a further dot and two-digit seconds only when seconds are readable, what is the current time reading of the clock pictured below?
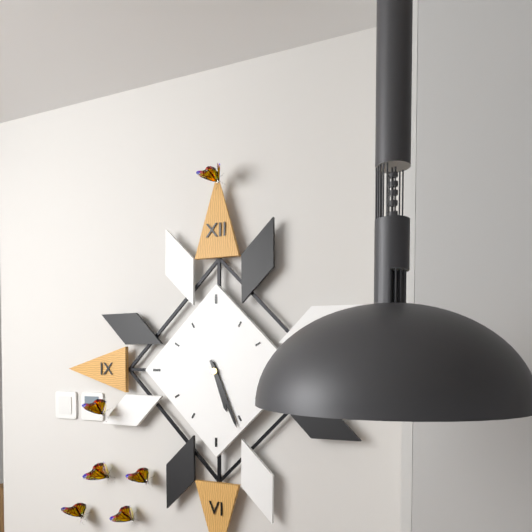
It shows 5.26
